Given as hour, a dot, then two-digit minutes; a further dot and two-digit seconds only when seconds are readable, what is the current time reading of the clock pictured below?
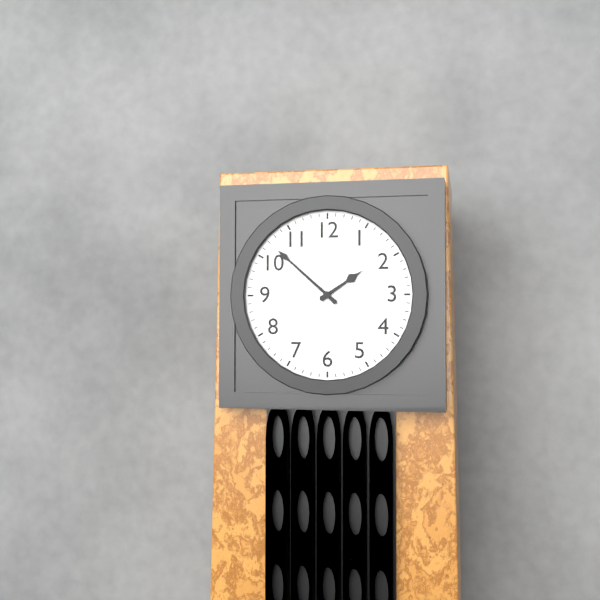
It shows 1.52
